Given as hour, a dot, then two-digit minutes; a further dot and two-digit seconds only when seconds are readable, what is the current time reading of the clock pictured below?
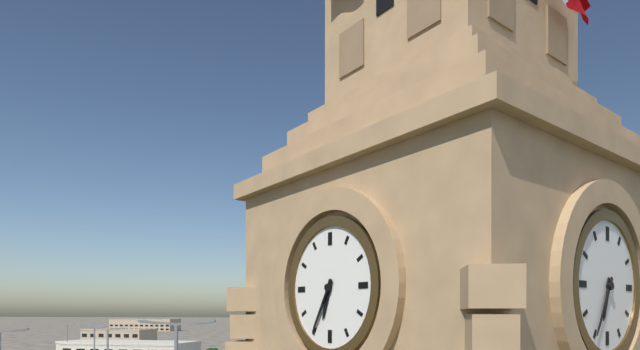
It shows 6.35
